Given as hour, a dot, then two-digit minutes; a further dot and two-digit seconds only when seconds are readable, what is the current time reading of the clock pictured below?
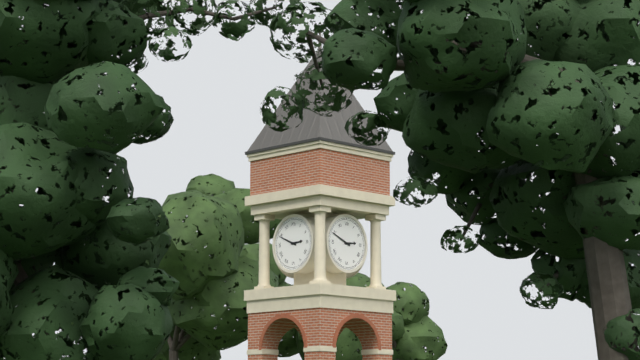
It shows 2.49
